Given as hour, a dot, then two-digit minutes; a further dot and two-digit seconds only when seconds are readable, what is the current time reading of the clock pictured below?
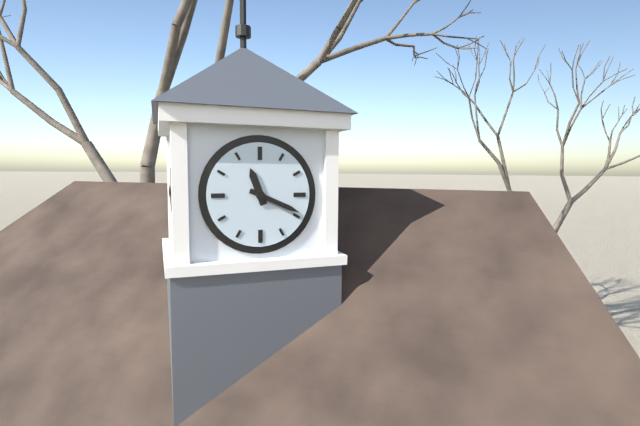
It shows 11.19
